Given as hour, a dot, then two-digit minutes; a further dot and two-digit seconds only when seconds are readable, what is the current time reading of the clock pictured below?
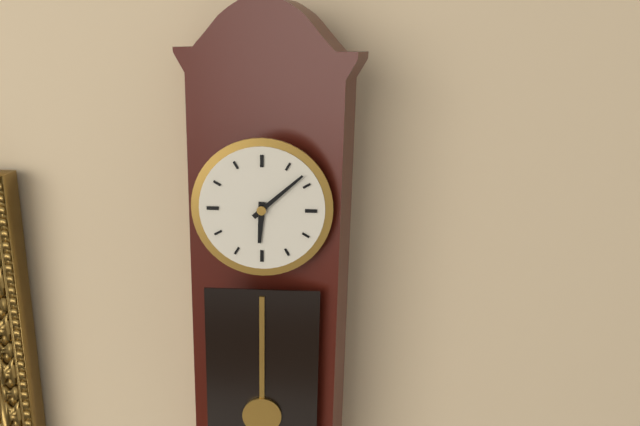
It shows 6.08
